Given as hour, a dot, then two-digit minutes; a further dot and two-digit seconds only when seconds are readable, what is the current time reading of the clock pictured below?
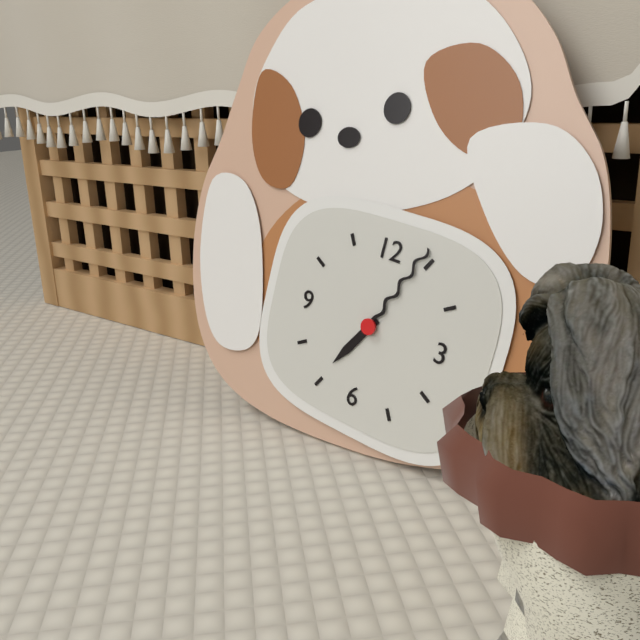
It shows 7.04
